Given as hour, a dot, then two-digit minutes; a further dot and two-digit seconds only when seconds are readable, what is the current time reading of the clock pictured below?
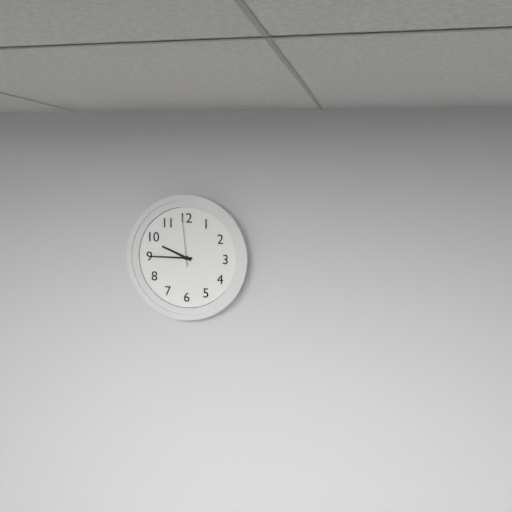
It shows 9.45.59
